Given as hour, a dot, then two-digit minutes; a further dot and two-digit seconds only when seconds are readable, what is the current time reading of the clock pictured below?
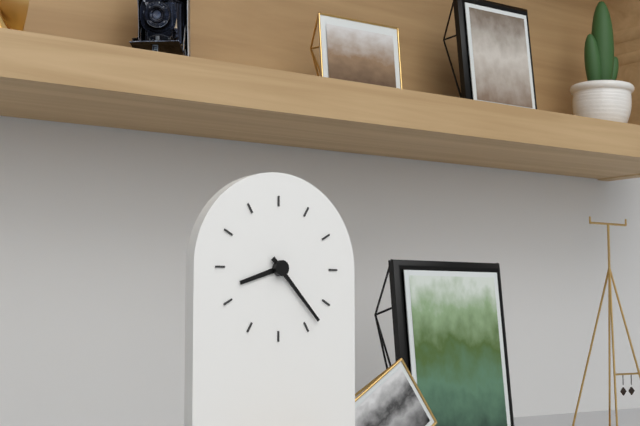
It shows 8.23
